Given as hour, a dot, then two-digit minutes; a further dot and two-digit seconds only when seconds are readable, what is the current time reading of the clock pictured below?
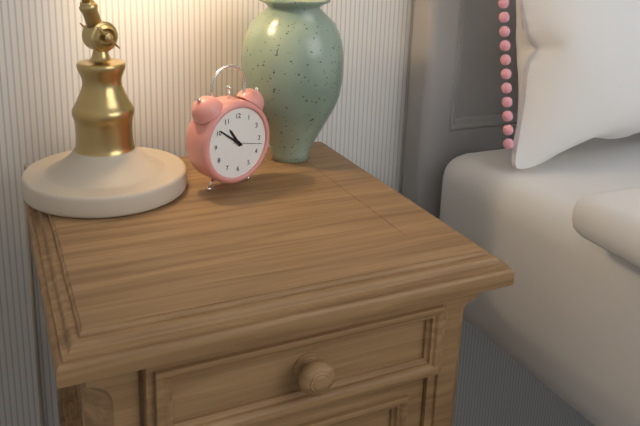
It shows 10.51
